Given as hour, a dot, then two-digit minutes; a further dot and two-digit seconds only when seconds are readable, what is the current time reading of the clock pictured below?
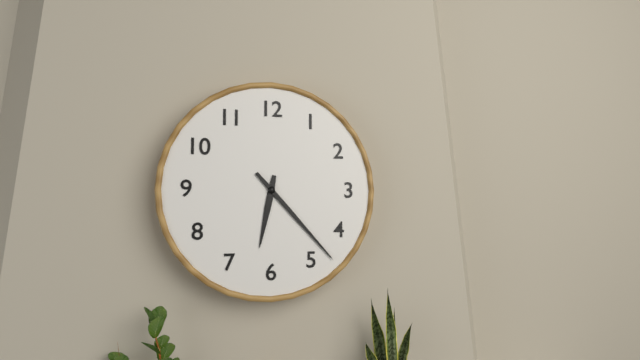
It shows 6.23
